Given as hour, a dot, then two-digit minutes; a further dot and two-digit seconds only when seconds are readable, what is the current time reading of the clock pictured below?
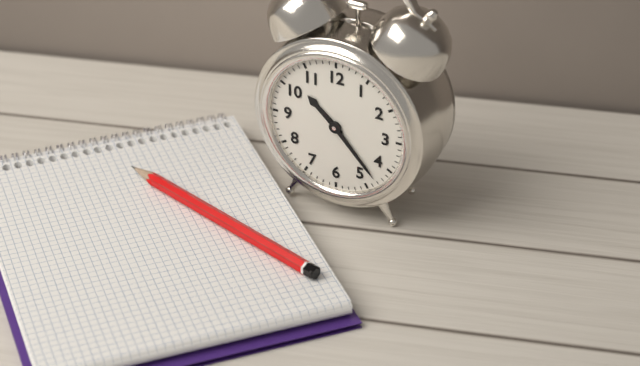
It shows 10.23
